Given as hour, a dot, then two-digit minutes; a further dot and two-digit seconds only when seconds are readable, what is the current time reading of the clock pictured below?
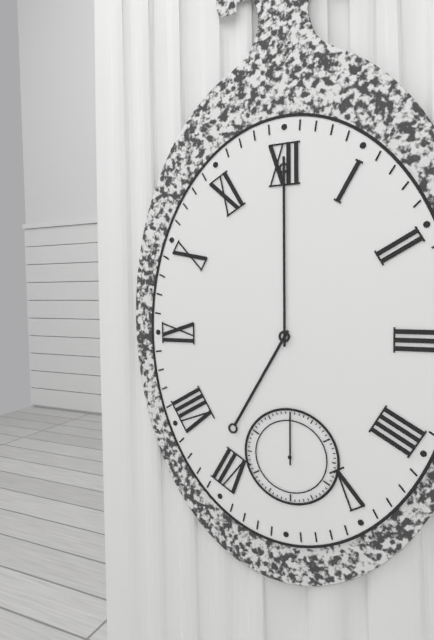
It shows 7.00.00
